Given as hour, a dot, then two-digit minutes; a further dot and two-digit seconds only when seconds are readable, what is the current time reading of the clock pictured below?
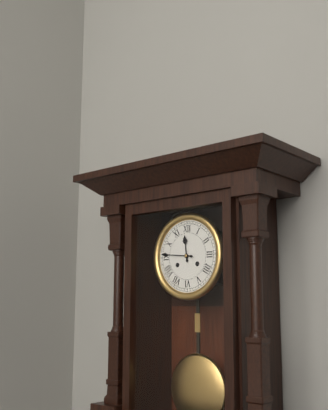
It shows 11.46
